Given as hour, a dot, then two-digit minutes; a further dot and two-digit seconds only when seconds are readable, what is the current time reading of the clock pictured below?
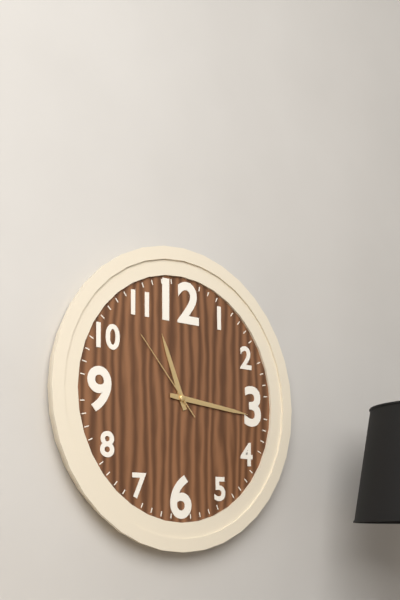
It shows 11.16.53
